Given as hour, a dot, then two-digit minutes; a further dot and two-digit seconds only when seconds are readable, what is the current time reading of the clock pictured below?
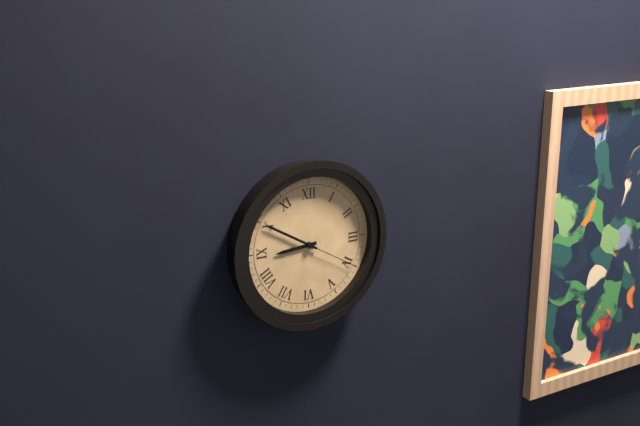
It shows 8.50.20
